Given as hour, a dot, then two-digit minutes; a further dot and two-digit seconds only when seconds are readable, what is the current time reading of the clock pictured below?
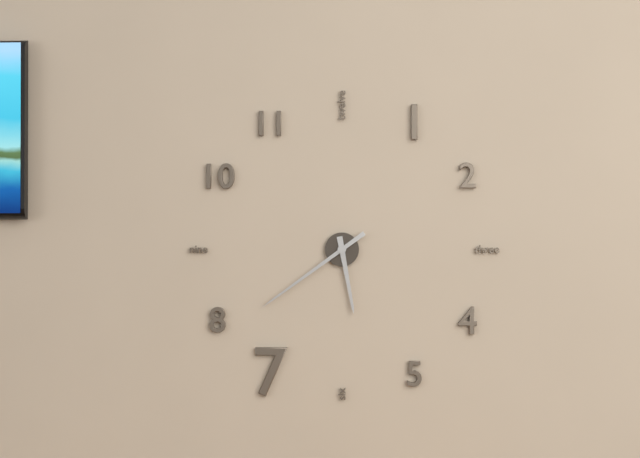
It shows 5.39
